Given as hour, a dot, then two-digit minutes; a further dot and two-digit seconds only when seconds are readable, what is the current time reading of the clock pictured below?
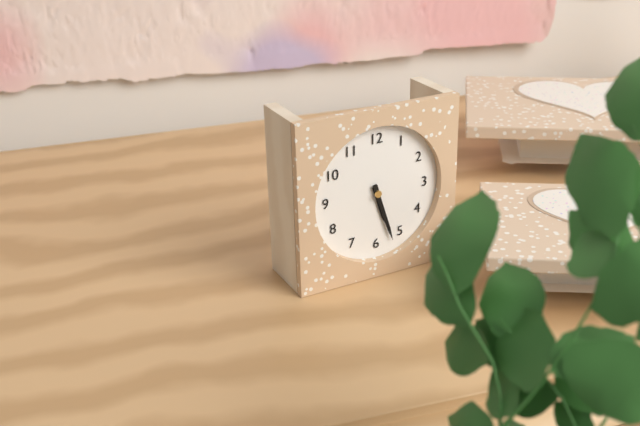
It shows 5.27
